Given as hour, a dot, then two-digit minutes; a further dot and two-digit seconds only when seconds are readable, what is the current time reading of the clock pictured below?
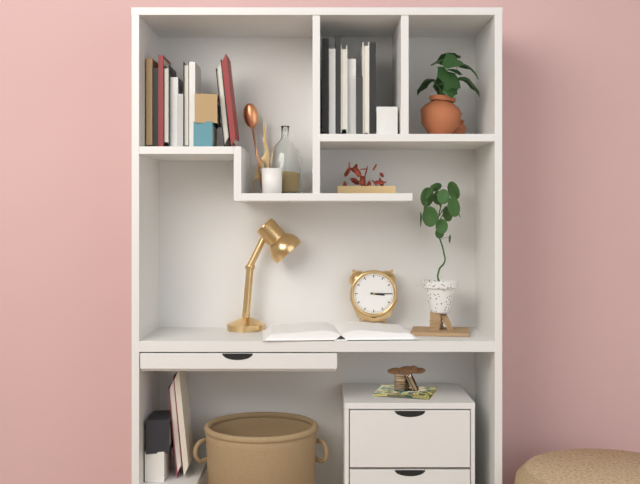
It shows 3.15
